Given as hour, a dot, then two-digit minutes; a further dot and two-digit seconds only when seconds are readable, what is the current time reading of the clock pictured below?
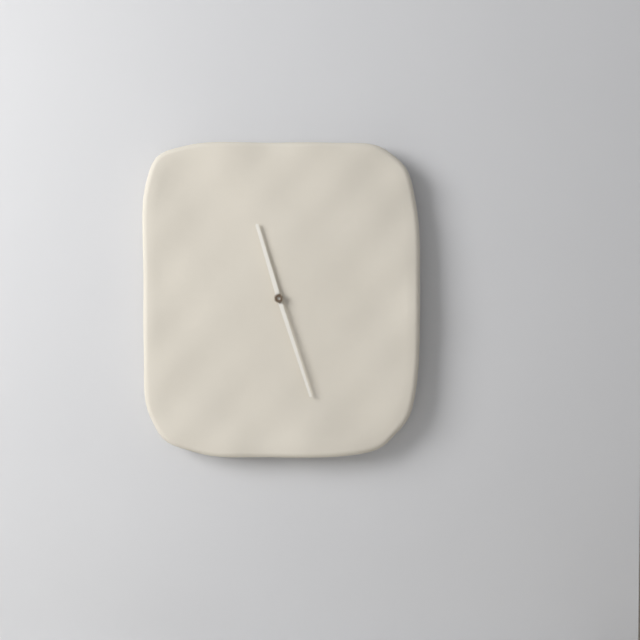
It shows 11.27
